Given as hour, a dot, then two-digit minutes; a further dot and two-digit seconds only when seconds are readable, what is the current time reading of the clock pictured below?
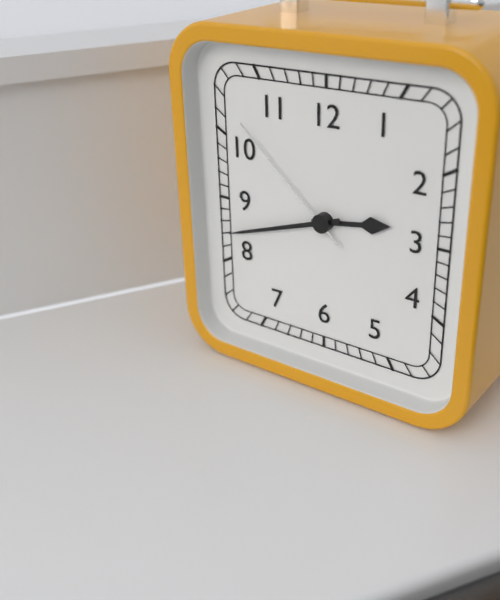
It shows 2.42.52
